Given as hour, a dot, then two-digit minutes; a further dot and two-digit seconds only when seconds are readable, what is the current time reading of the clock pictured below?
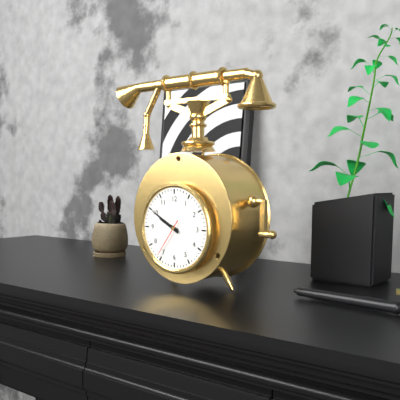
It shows 9.50
